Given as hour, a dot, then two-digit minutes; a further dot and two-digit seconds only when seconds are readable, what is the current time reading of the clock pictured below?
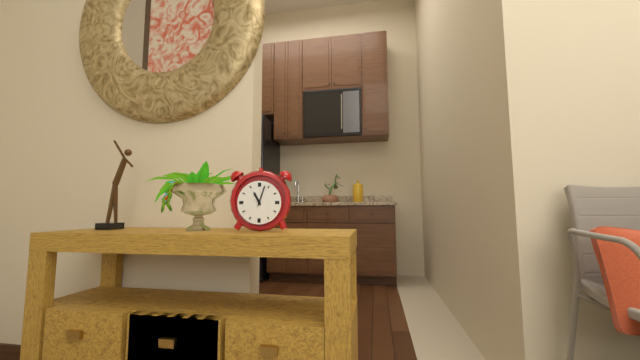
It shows 11.03
